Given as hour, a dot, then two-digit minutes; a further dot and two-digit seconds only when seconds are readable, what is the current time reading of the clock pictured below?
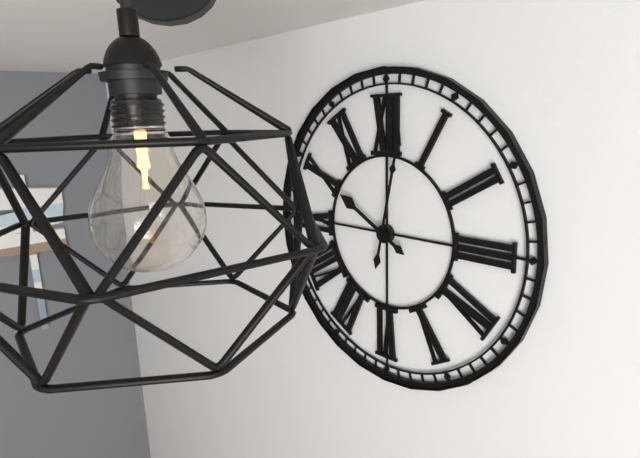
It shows 10.02
